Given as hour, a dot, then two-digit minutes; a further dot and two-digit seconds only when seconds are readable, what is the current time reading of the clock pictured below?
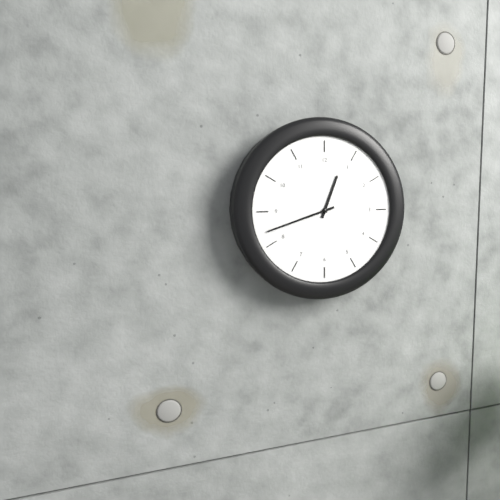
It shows 12.42
